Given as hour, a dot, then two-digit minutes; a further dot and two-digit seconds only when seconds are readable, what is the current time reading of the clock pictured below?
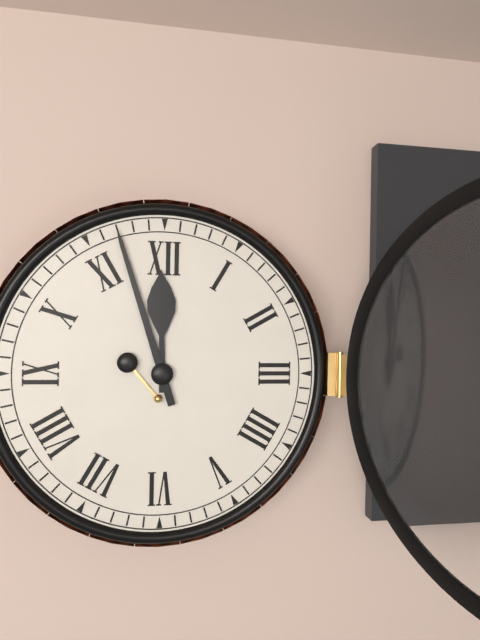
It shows 11.57
